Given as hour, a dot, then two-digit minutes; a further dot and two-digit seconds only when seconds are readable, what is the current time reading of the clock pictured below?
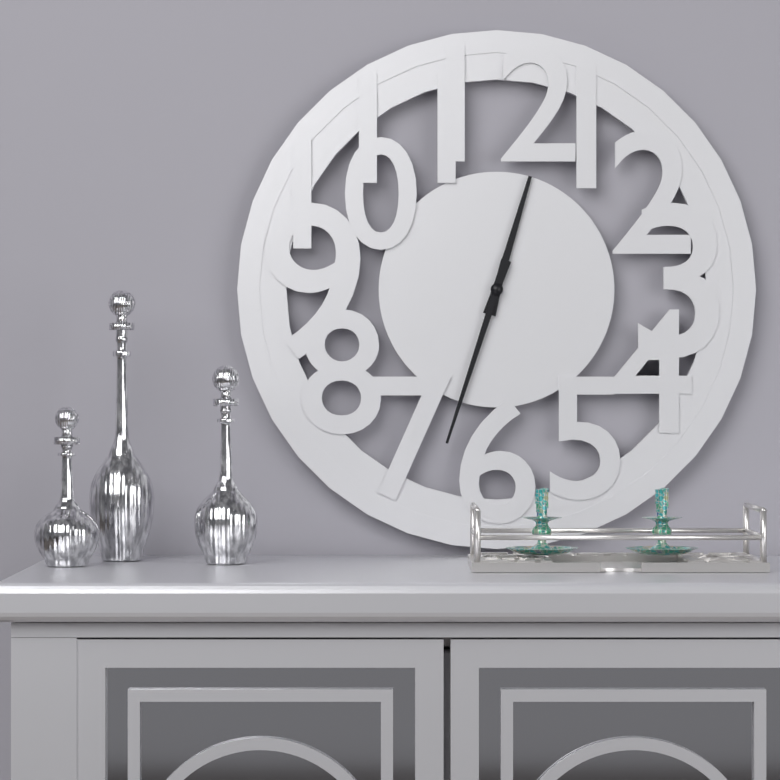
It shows 12.33
